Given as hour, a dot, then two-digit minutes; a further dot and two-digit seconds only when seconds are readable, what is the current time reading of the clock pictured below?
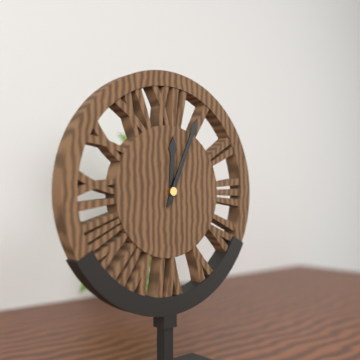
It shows 12.04
